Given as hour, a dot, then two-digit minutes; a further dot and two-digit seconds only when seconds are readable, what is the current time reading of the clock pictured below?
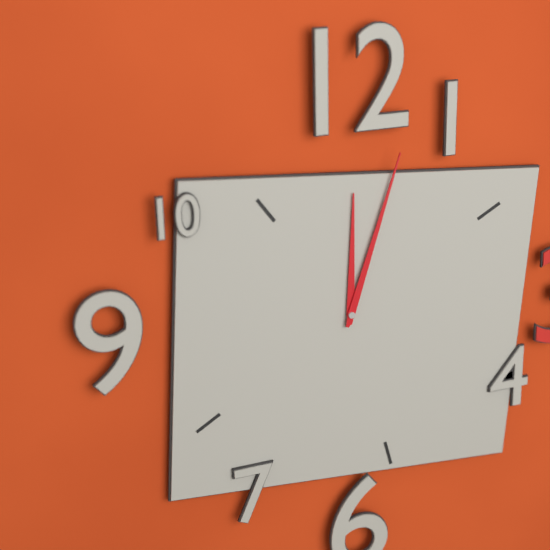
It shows 12.03
